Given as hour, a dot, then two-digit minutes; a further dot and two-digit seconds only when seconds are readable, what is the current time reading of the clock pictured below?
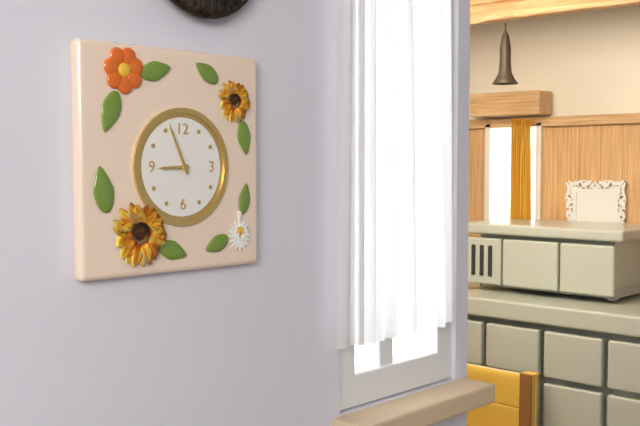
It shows 8.56
